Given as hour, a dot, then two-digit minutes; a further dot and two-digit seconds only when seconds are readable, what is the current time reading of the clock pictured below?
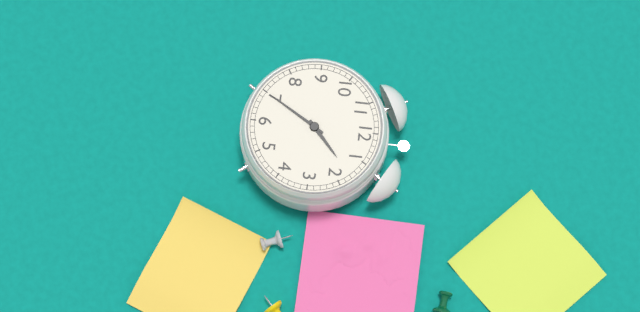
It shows 1.35
